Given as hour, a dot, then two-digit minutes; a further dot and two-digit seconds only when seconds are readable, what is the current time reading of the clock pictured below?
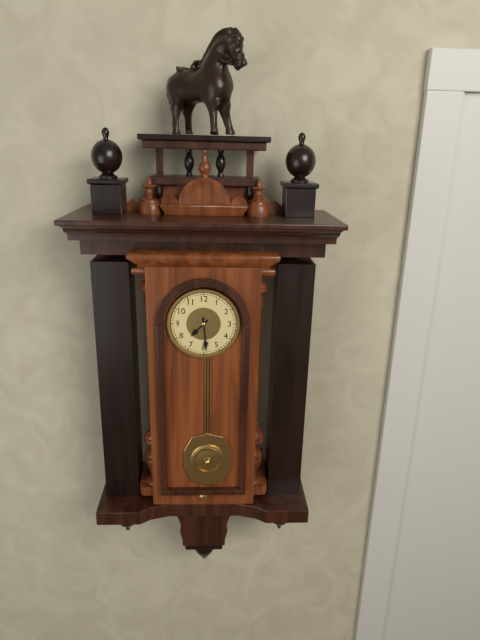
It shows 7.29
